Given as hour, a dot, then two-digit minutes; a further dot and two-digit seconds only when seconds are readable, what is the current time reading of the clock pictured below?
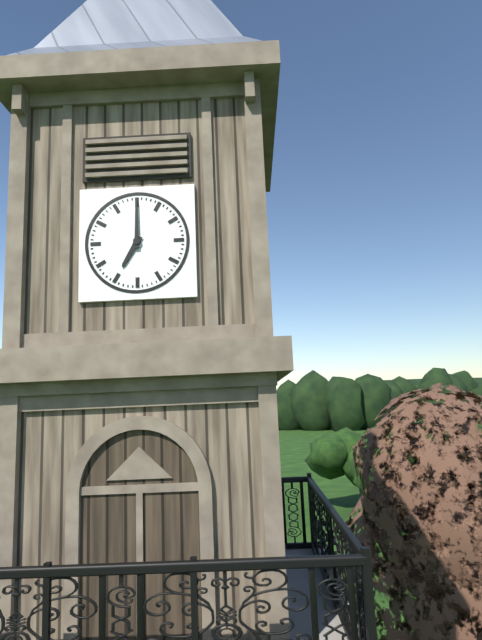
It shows 7.00
